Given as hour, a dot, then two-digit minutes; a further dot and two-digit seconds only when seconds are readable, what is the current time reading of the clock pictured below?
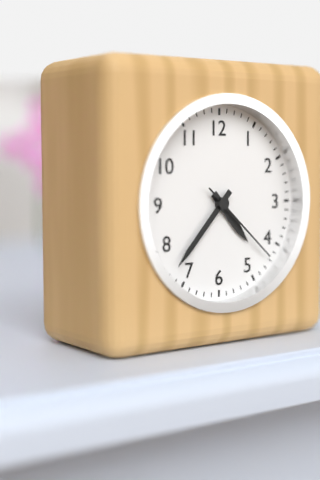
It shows 4.37.22
